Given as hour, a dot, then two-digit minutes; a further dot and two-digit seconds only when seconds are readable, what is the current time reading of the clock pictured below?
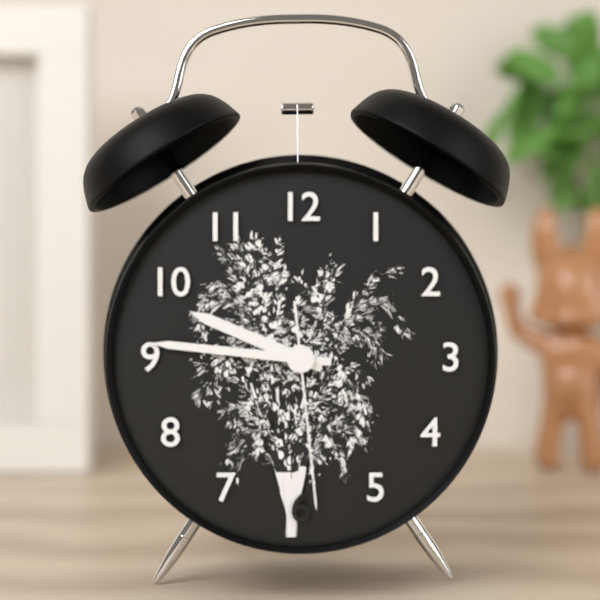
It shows 9.46.29
